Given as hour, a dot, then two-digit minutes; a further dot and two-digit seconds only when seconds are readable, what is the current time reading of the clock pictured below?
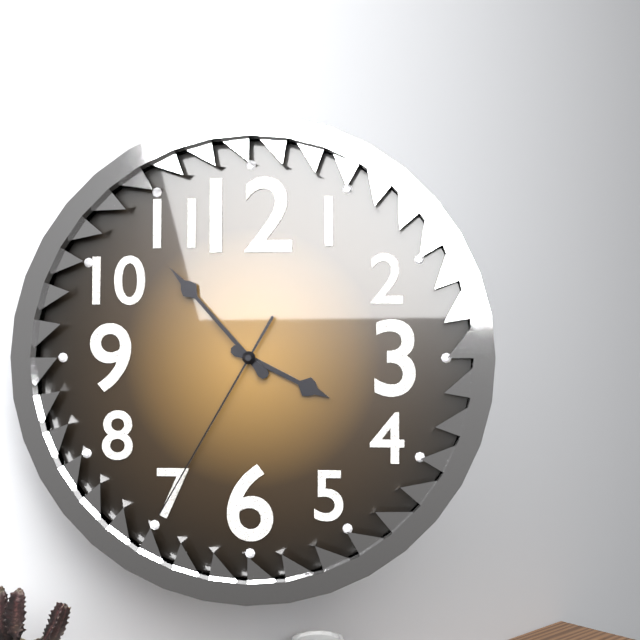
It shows 3.53.35
